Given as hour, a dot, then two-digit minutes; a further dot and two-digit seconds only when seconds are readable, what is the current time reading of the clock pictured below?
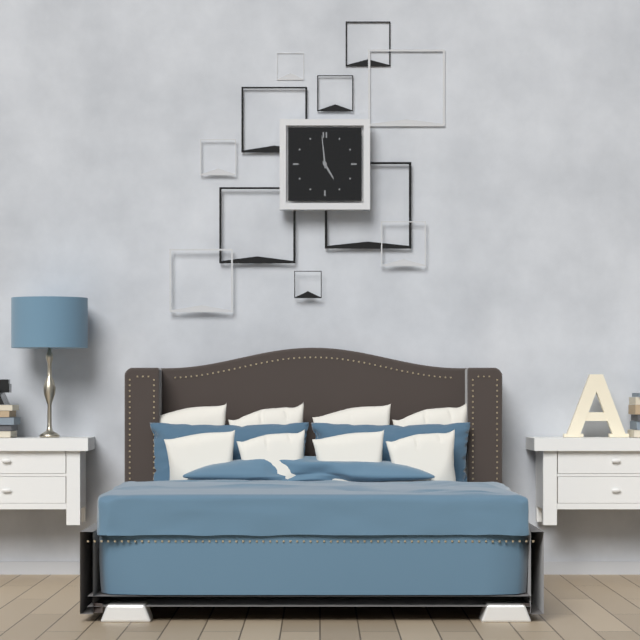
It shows 4.59
